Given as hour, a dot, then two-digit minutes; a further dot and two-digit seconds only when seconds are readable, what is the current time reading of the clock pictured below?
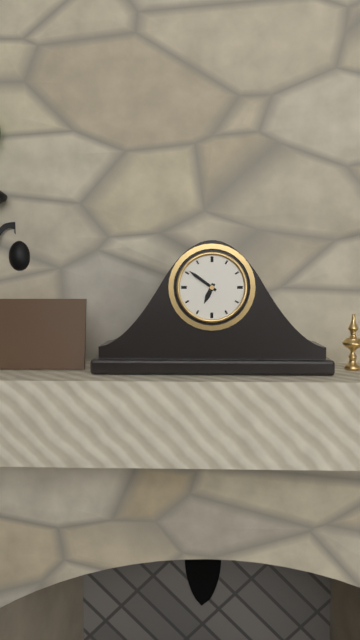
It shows 6.51
